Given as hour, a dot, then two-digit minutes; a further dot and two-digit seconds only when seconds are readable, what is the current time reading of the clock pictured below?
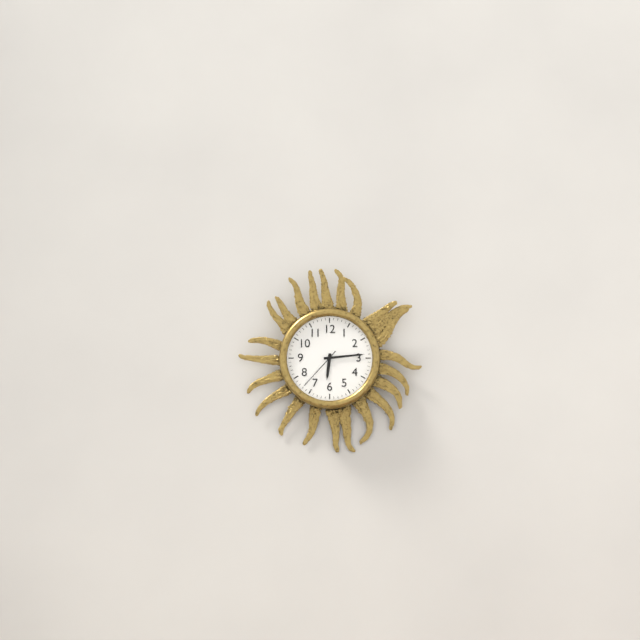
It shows 6.14
